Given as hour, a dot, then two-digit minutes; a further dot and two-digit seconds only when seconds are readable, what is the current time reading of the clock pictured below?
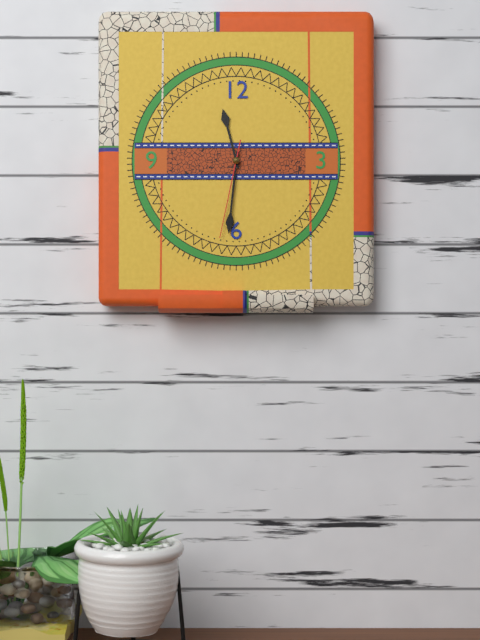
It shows 11.31.32
